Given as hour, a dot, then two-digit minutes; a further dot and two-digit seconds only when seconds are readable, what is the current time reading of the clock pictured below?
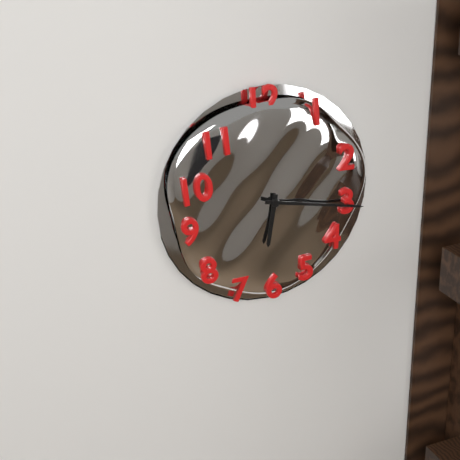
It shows 6.17
